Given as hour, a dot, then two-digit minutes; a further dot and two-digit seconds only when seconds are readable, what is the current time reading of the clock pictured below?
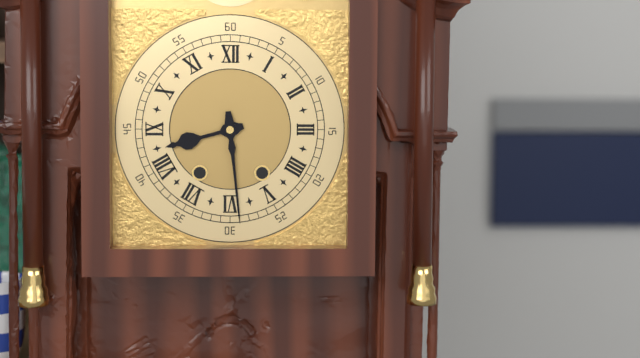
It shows 8.29
